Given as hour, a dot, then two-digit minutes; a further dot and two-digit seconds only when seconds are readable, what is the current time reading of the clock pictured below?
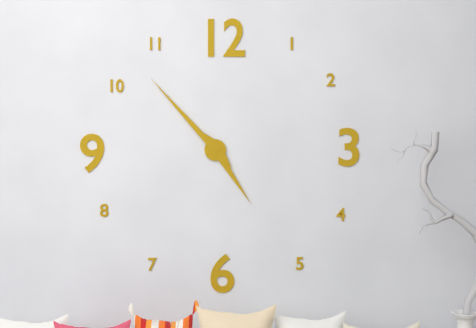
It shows 4.53
